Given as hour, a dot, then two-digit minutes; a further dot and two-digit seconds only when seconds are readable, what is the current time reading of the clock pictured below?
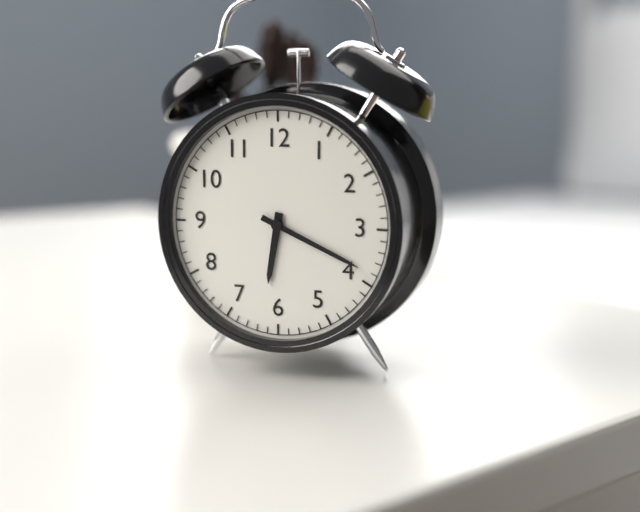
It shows 6.19
